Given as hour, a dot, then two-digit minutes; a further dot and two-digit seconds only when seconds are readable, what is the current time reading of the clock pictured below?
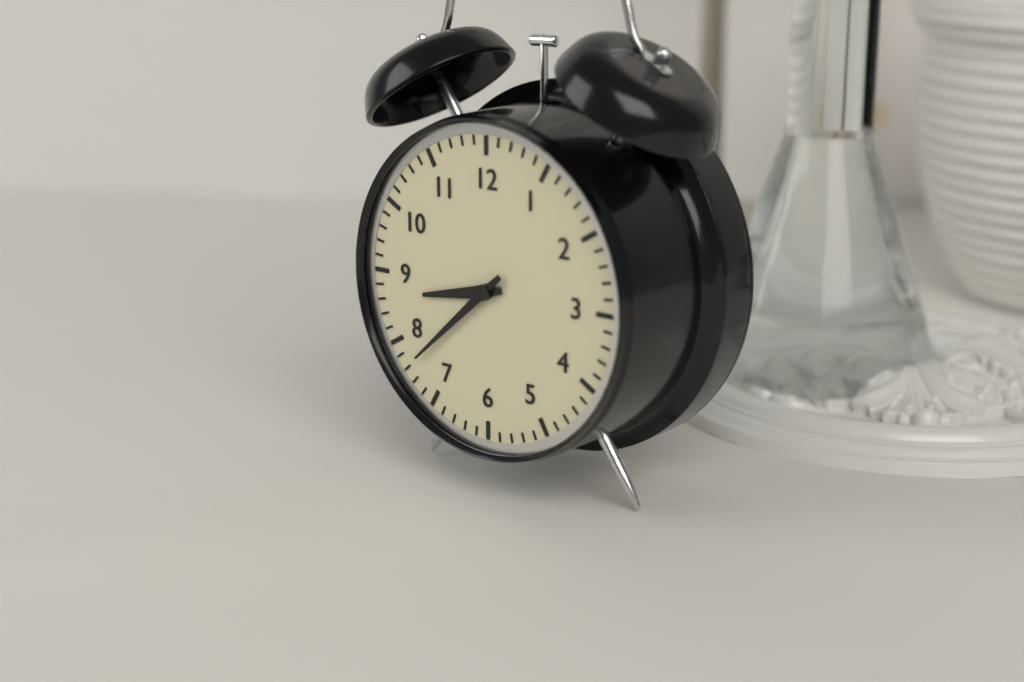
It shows 8.38
